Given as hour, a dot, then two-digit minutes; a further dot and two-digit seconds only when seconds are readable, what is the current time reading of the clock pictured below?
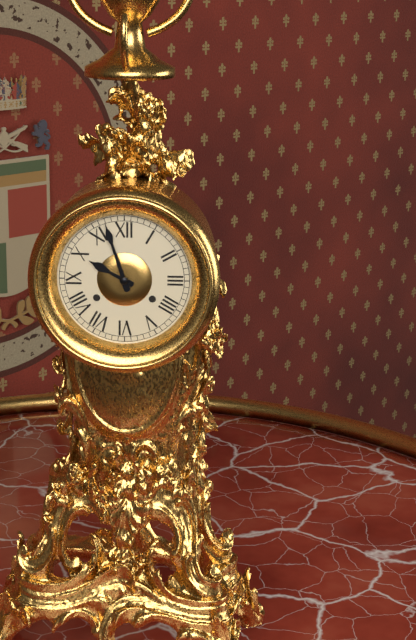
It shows 9.57
